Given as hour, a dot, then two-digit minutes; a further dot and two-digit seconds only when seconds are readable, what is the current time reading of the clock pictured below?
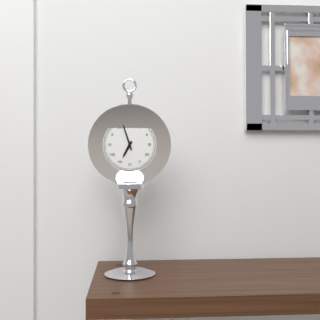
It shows 6.57
